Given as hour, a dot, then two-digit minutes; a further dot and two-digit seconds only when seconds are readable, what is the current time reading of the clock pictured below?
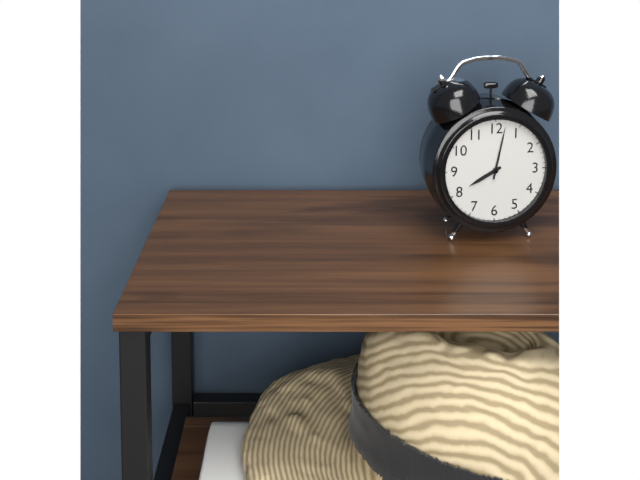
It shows 8.02
